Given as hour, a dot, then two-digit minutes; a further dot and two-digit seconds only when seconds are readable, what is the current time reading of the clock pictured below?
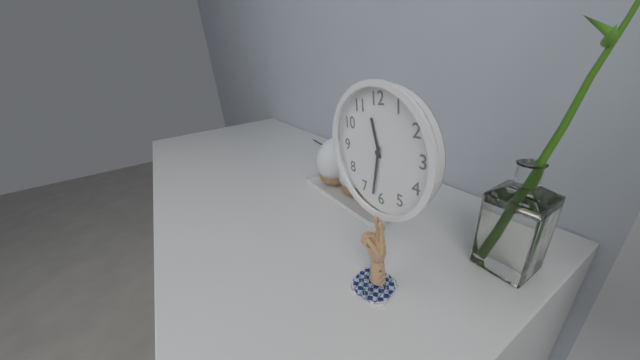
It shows 11.32
